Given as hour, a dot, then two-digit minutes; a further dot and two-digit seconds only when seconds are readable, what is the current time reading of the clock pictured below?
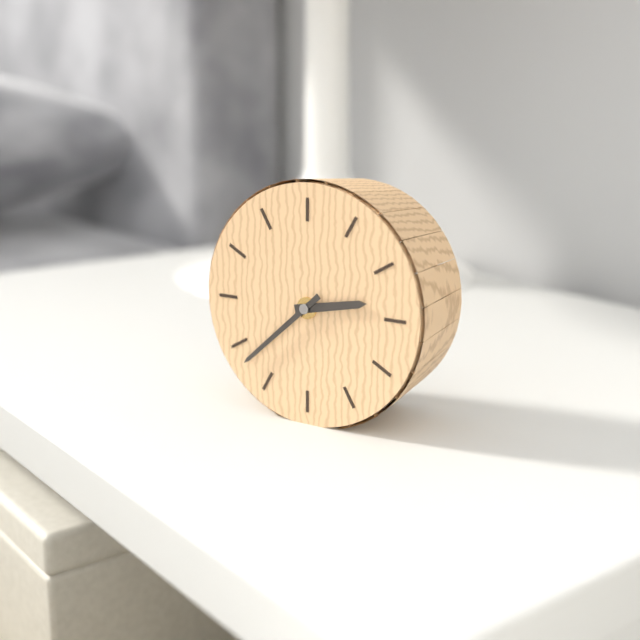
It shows 2.38
